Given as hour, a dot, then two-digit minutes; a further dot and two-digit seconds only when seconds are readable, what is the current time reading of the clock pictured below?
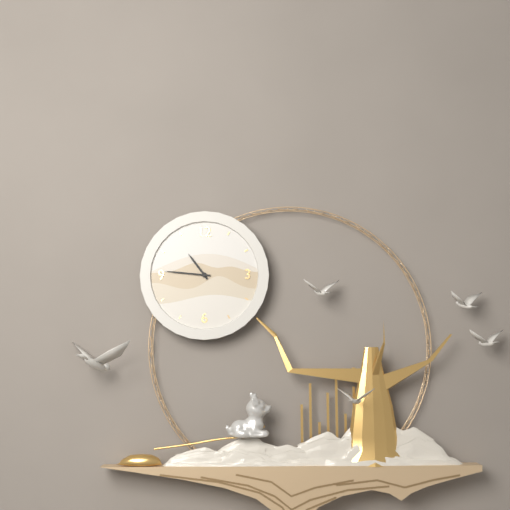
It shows 10.46
